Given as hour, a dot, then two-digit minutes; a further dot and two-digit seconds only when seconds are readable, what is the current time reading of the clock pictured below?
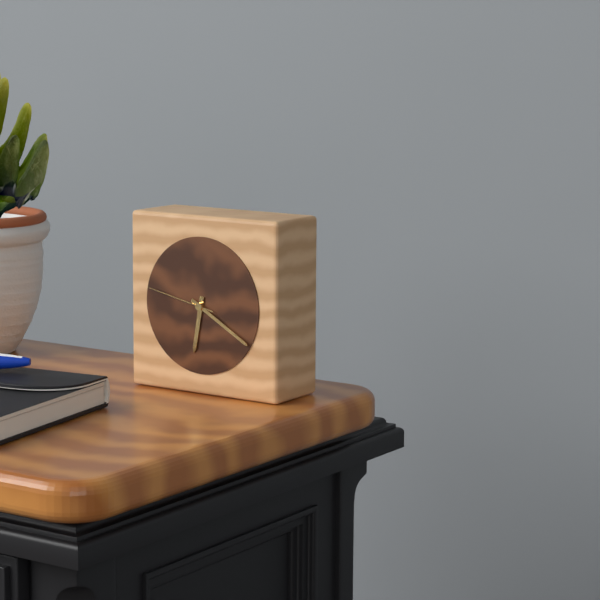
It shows 6.20.47
